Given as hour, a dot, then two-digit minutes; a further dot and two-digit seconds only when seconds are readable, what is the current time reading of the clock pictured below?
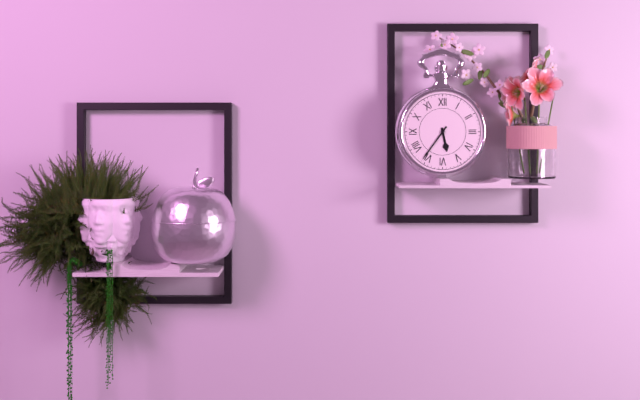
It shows 5.36
